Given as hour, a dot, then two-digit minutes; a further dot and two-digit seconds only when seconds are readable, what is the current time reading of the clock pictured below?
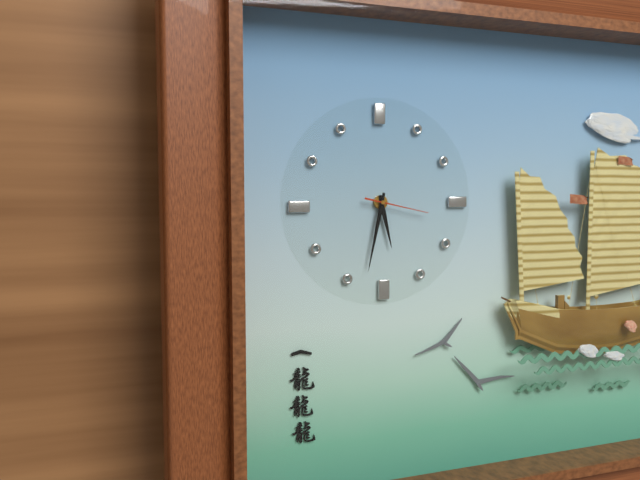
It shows 5.32.17
